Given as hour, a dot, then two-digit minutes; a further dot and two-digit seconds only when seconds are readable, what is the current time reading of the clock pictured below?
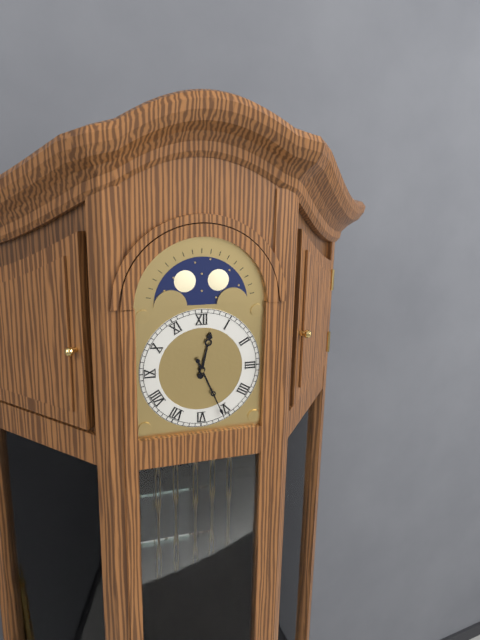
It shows 12.26
